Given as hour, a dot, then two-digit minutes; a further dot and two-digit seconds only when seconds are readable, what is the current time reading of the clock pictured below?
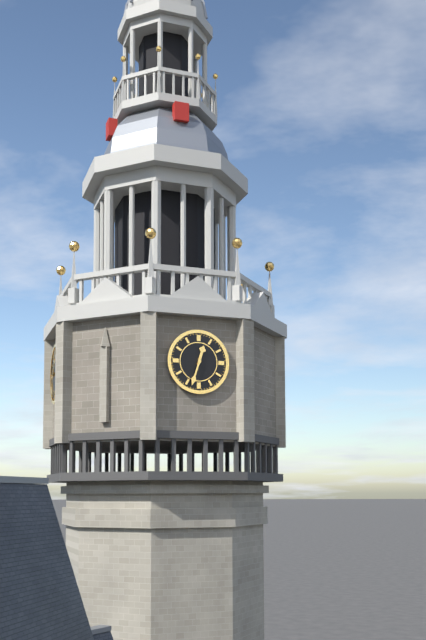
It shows 12.33
